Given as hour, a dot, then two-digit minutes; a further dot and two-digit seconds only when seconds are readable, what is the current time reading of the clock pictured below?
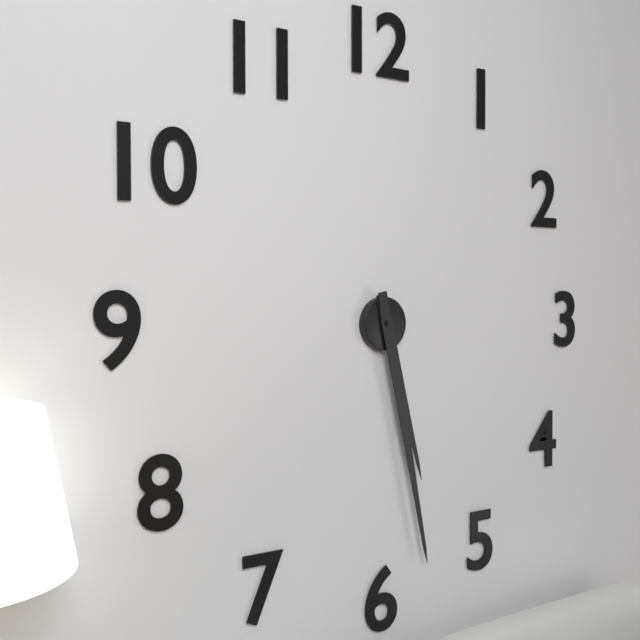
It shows 5.28
